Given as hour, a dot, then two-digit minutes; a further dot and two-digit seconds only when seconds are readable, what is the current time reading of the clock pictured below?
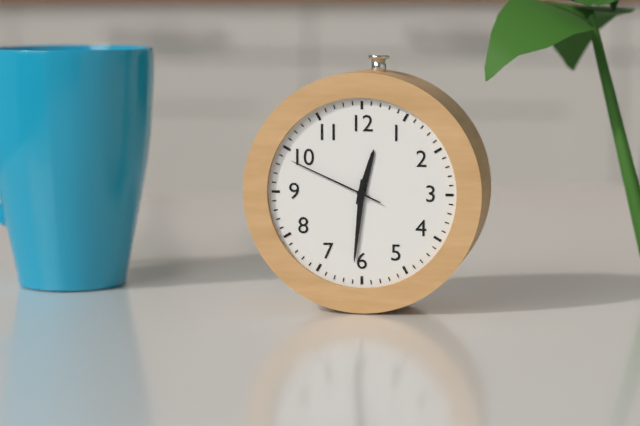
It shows 12.31.49
